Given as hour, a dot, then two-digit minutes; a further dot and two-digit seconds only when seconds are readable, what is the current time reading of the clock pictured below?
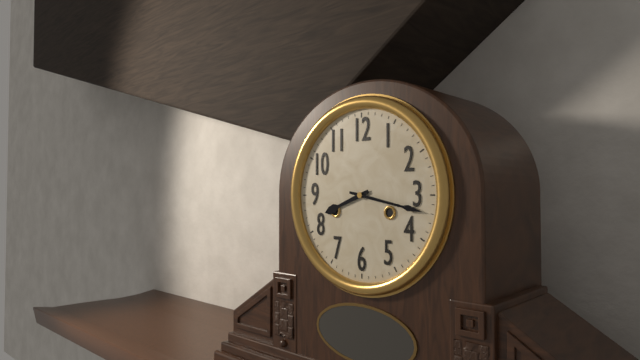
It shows 8.17
